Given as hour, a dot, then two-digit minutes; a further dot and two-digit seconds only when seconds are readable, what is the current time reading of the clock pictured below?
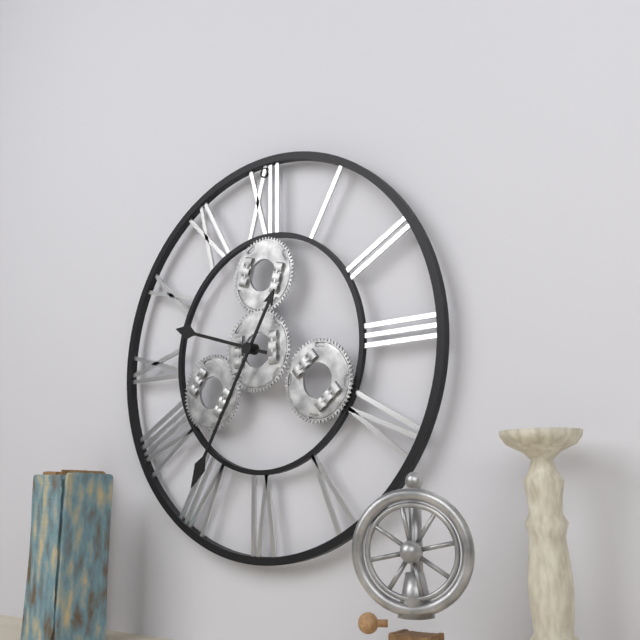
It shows 9.35
